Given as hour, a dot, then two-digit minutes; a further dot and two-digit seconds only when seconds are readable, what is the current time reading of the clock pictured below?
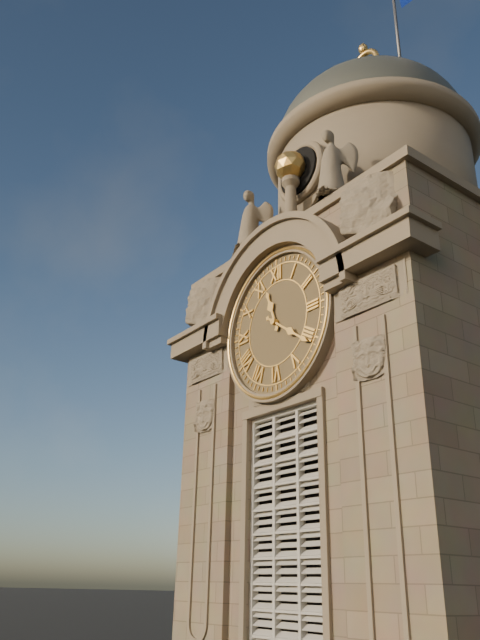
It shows 11.21
